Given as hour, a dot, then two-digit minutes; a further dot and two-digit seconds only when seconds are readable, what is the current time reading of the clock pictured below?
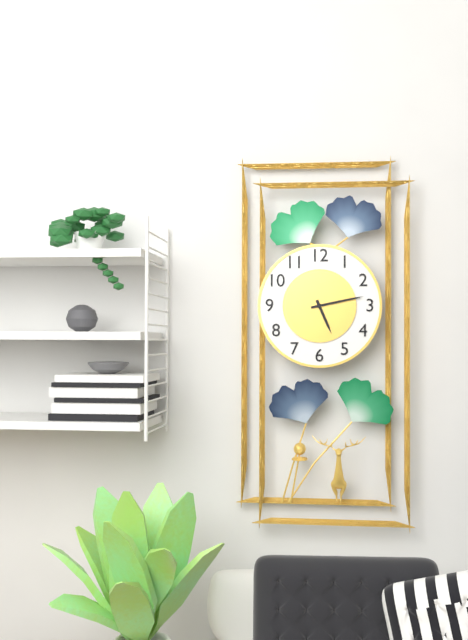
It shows 5.13
